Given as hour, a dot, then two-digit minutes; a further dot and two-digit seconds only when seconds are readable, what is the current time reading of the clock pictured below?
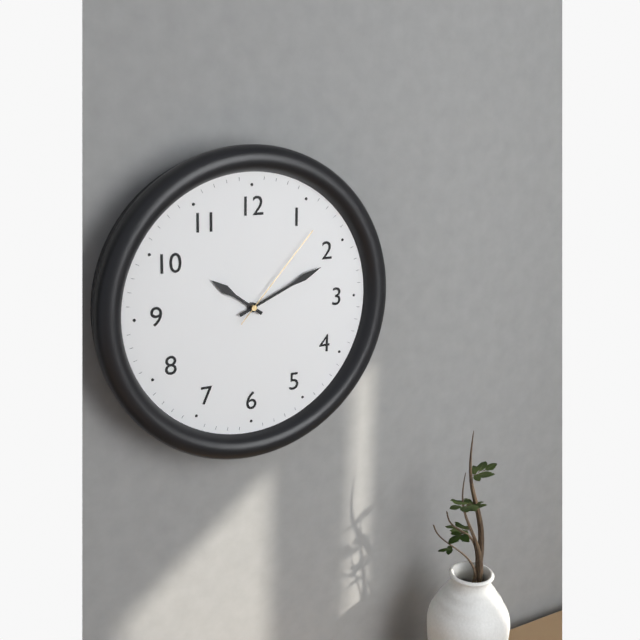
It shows 10.11.07
